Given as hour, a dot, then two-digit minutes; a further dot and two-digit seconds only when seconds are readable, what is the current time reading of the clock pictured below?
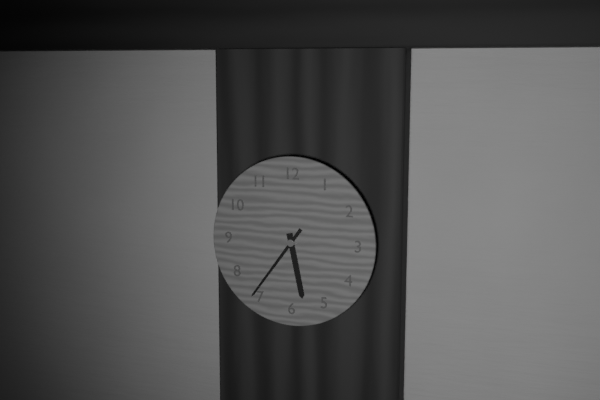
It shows 5.36
